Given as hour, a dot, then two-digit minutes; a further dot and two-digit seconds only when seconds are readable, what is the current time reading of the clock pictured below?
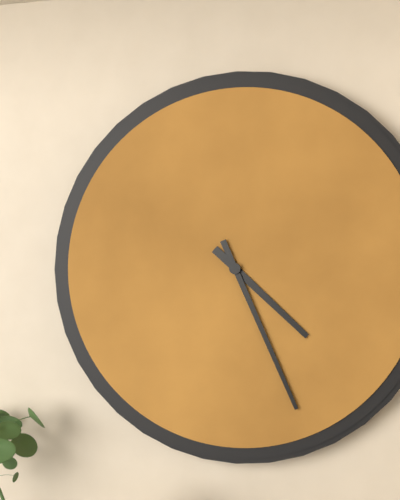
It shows 4.26
